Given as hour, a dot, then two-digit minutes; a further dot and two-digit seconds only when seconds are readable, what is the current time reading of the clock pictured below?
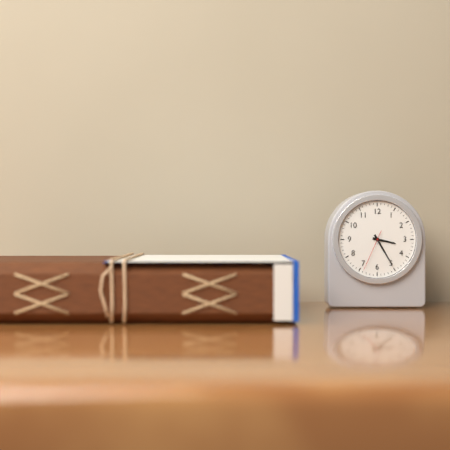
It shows 3.25
